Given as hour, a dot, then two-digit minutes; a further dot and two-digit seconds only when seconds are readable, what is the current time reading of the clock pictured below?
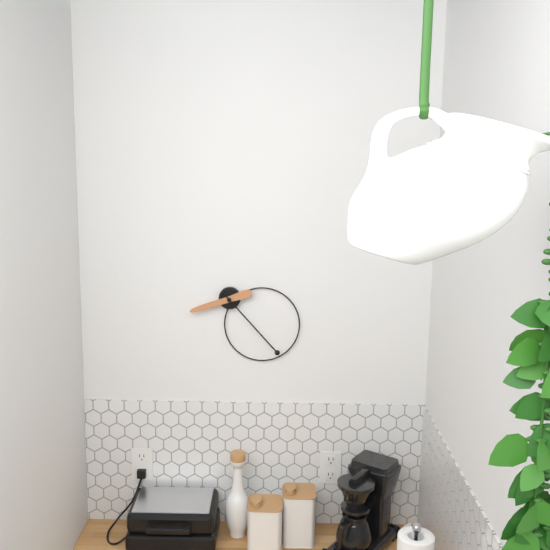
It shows 8.23
